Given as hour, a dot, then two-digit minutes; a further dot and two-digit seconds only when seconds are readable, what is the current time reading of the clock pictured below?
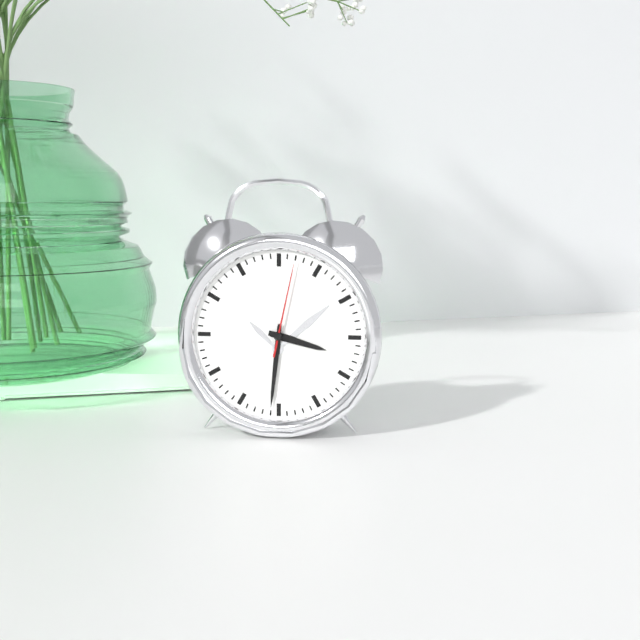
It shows 3.31.02
